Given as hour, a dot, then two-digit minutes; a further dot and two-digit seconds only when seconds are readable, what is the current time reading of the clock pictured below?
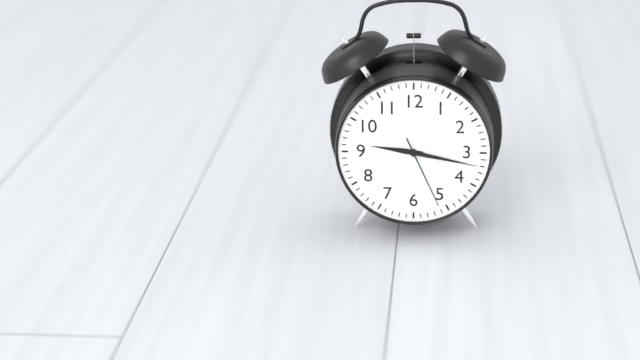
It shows 9.17.26
